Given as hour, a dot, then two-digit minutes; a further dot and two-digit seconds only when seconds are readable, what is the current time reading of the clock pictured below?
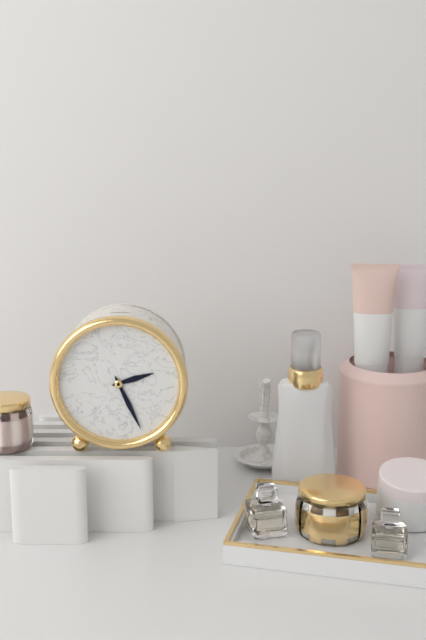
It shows 2.26
